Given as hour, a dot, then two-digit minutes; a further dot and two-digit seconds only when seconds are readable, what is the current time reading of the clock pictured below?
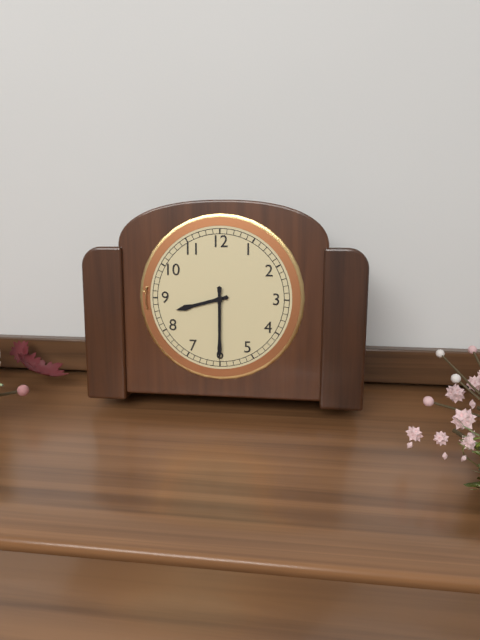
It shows 8.30
